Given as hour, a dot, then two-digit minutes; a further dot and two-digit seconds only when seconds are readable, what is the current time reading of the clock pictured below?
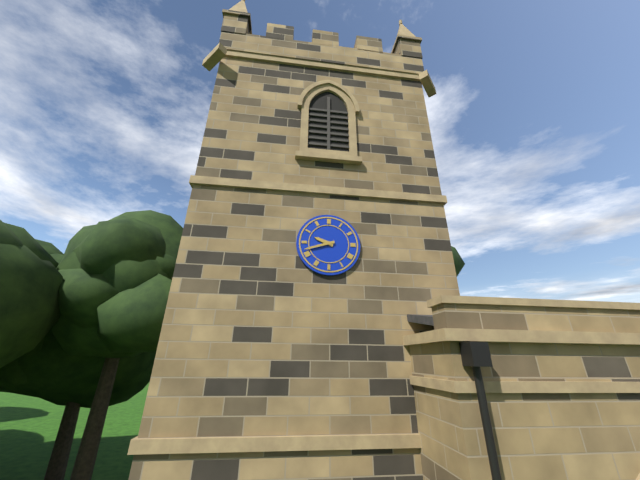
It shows 9.42
